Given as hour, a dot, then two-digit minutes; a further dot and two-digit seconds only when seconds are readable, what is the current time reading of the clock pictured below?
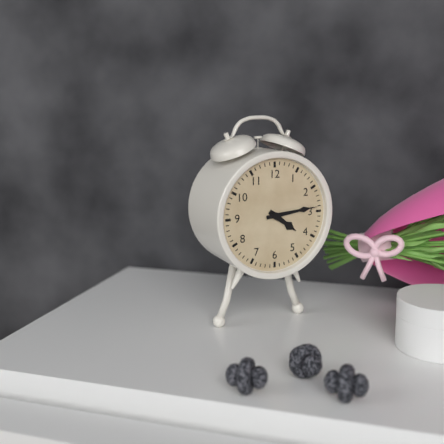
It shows 4.14
